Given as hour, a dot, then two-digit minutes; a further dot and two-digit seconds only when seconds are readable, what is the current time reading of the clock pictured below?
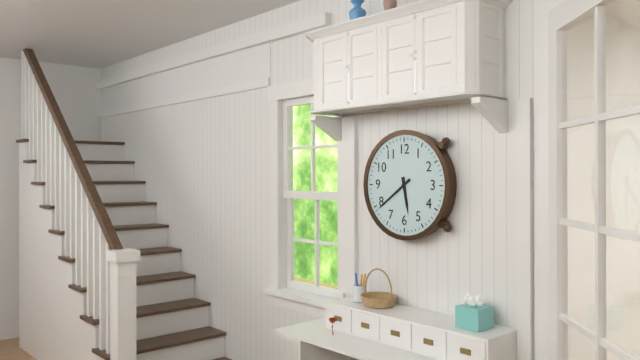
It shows 5.39
